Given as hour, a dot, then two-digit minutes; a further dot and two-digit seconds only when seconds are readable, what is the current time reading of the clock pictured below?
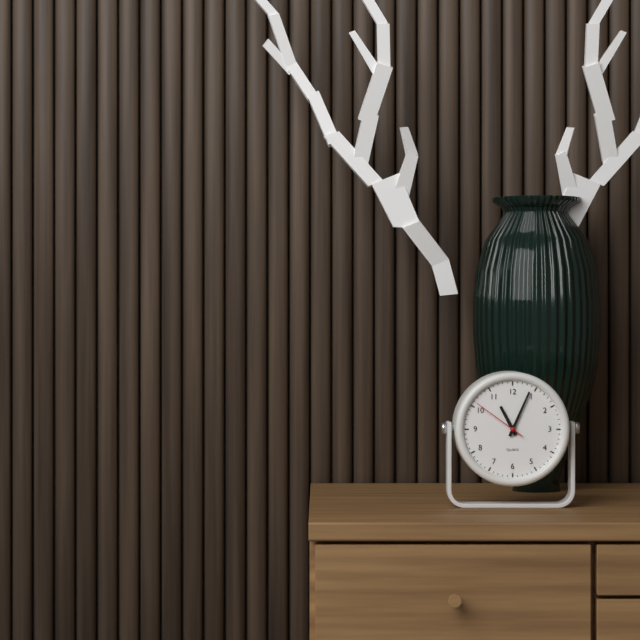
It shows 11.04.51
